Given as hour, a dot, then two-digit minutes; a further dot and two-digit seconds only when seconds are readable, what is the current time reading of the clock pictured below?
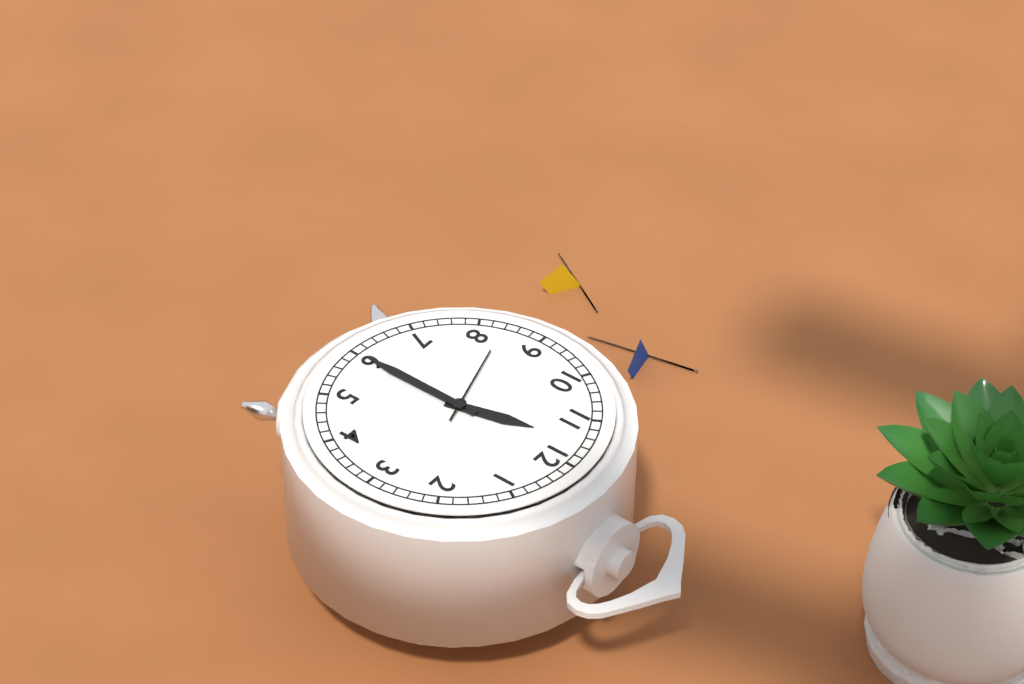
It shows 11.30.42
